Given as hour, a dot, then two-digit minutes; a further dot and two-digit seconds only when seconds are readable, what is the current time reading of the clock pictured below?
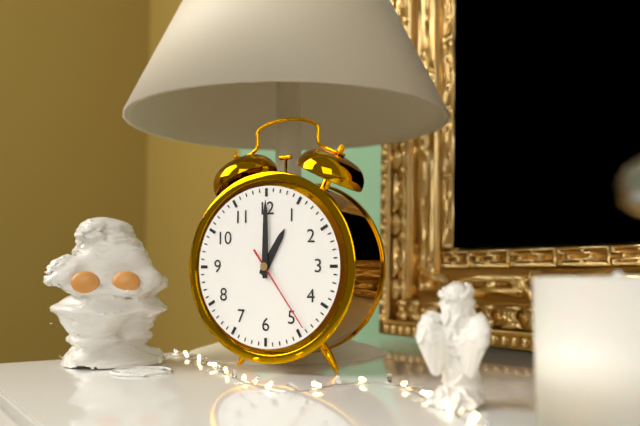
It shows 1.00.24
